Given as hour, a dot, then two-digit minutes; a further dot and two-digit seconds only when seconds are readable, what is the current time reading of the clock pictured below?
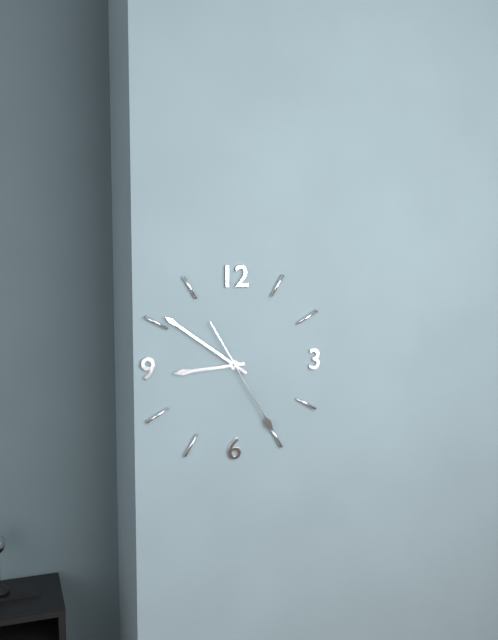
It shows 8.51.25
